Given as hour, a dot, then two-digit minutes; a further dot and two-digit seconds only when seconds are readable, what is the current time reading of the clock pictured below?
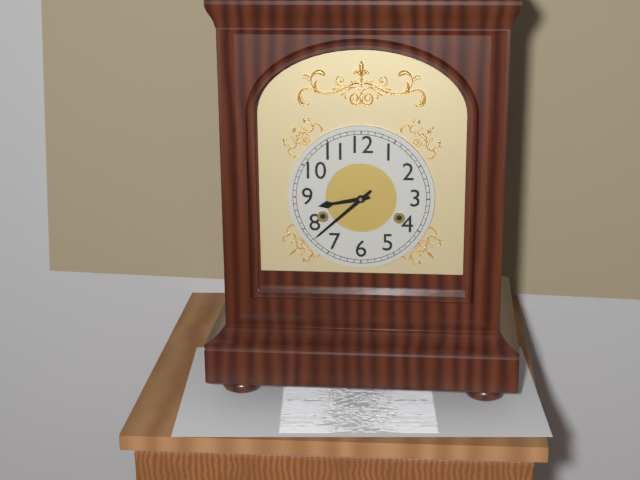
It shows 8.38
